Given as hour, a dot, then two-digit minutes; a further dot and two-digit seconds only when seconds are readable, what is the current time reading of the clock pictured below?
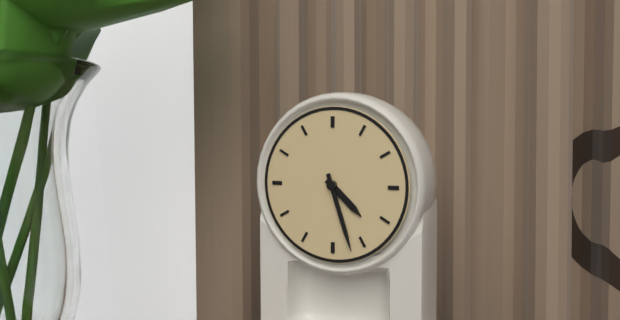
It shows 4.27
